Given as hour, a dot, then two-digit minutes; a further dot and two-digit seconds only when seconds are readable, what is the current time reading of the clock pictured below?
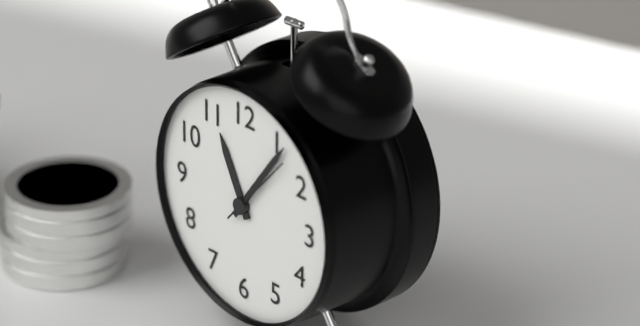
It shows 11.06.07
